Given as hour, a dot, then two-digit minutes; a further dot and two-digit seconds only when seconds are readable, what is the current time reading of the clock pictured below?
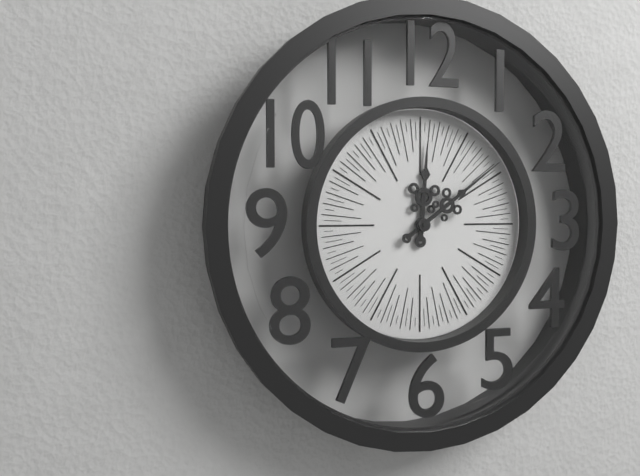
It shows 12.09
